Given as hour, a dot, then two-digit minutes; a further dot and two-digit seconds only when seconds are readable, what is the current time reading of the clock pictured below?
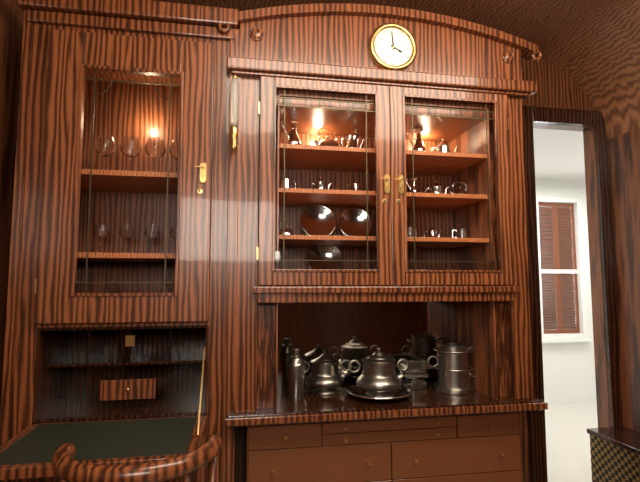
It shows 3.59
